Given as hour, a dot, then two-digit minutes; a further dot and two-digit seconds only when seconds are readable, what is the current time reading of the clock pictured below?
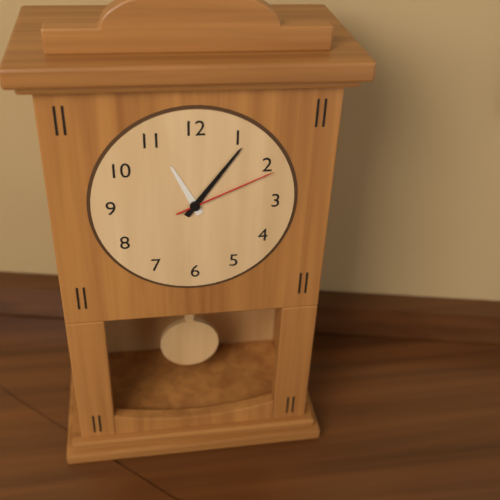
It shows 11.06.11
